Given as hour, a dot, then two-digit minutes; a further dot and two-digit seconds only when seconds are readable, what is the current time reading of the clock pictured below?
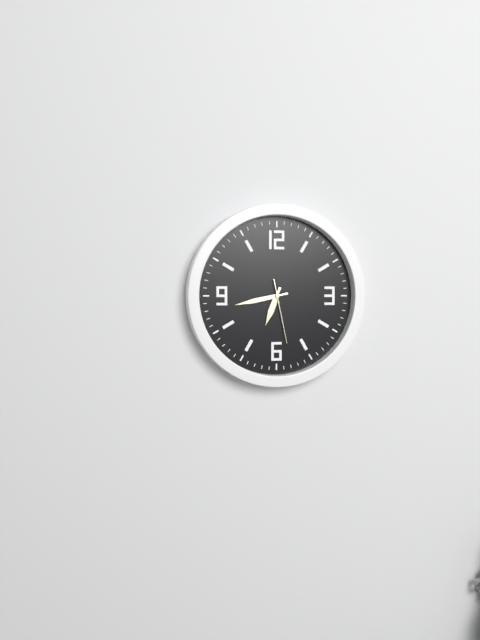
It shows 6.43.28
